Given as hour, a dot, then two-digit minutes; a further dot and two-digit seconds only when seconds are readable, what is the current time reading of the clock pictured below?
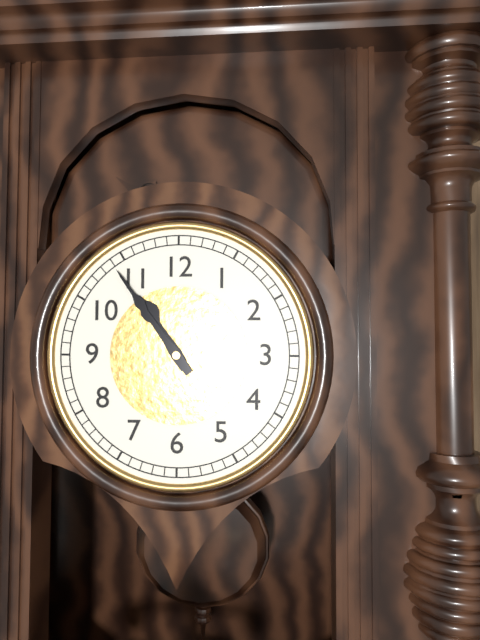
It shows 10.54
